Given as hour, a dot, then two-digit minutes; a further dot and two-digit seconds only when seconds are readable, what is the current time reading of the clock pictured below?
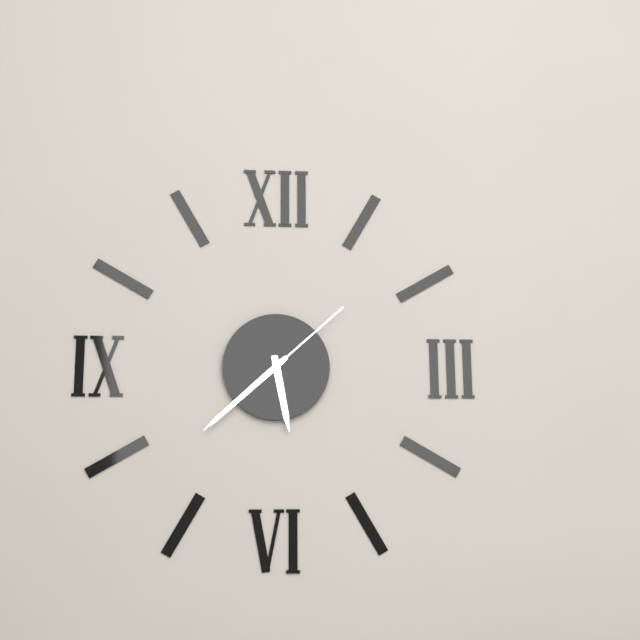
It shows 5.38.08
